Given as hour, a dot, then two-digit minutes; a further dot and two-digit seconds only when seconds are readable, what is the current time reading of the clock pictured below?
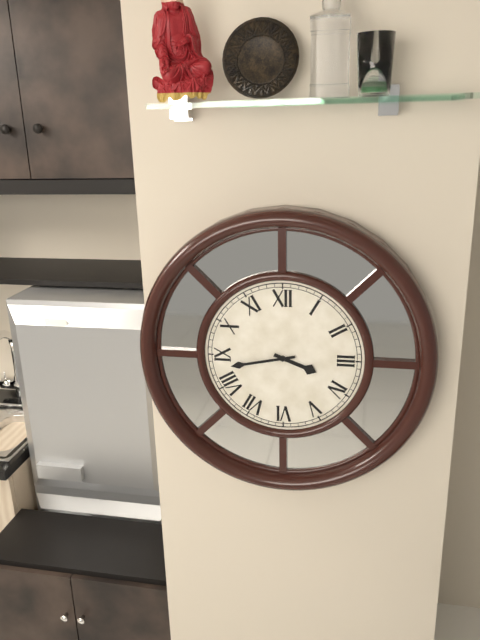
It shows 3.43
